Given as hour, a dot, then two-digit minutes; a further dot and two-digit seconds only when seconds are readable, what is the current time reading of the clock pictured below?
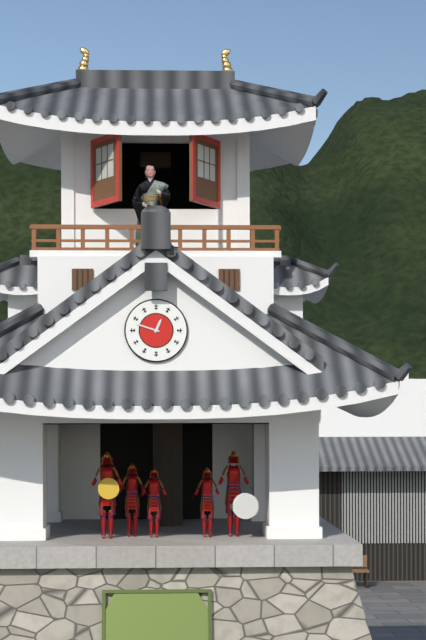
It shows 12.48
